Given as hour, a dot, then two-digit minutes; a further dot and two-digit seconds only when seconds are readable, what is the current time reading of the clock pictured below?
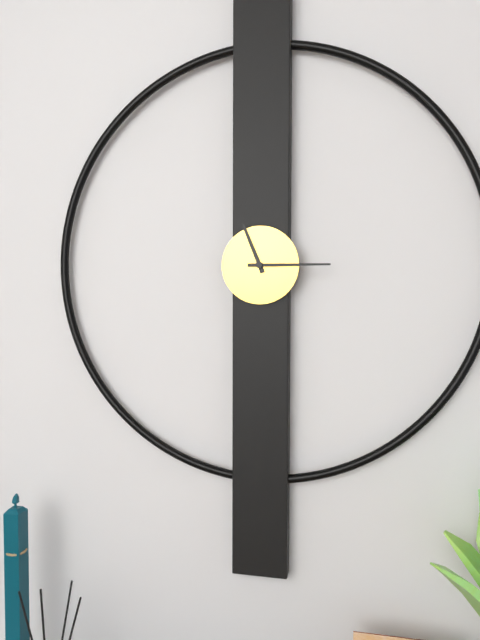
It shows 11.15
